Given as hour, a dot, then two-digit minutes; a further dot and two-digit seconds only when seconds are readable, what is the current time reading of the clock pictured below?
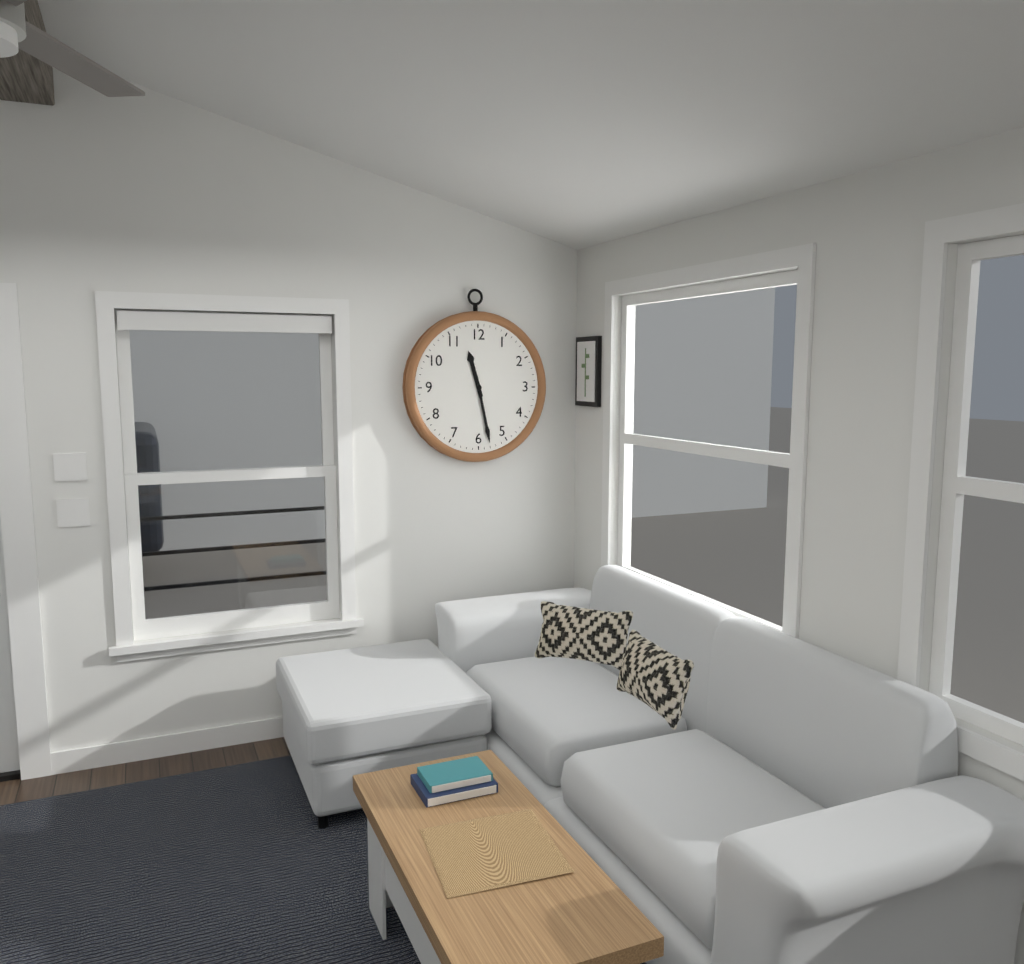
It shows 11.28
